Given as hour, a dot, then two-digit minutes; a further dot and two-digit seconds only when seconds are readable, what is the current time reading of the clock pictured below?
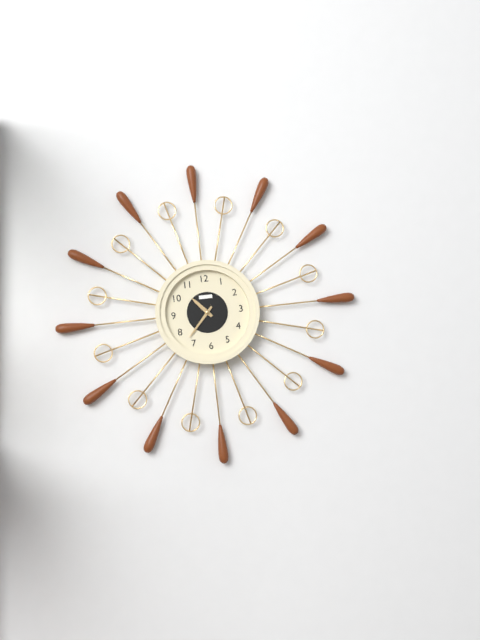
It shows 10.37
